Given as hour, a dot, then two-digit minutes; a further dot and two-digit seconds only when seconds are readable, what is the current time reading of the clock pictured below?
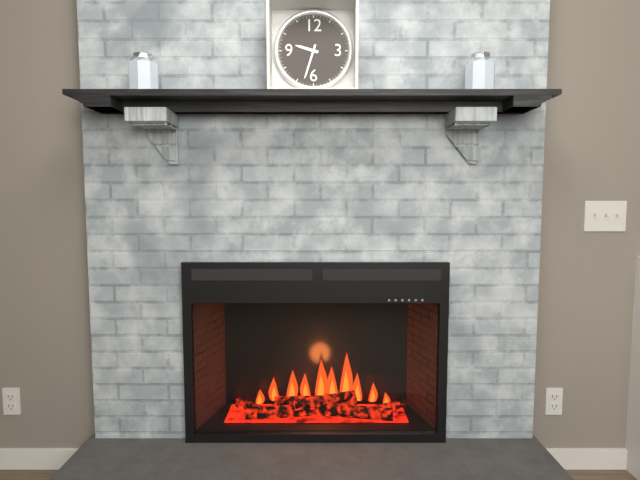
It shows 9.33
